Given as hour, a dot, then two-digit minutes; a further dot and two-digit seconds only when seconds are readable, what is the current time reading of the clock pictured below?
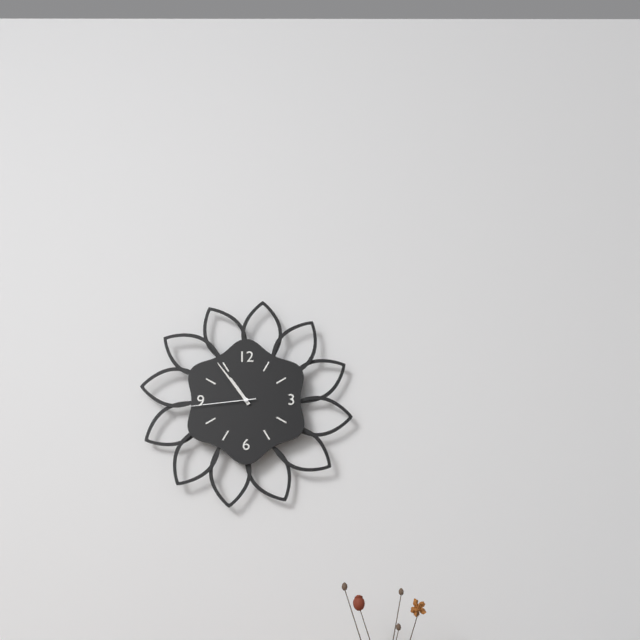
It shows 10.54.44
